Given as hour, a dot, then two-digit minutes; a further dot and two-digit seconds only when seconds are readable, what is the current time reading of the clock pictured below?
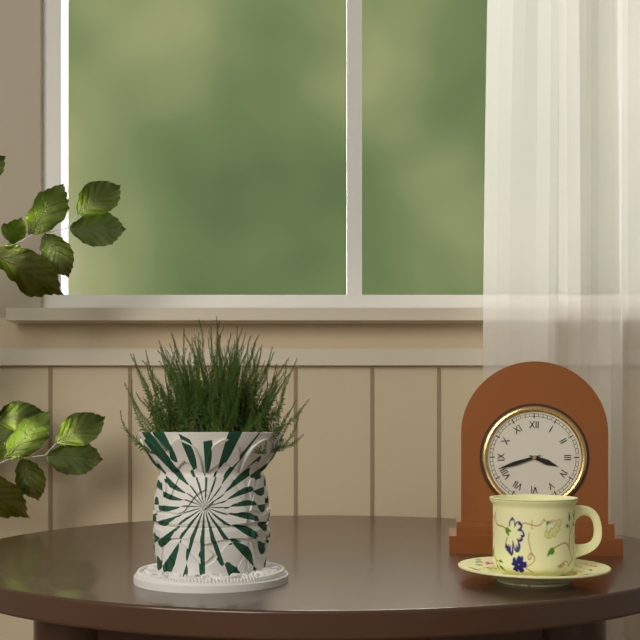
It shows 3.42
